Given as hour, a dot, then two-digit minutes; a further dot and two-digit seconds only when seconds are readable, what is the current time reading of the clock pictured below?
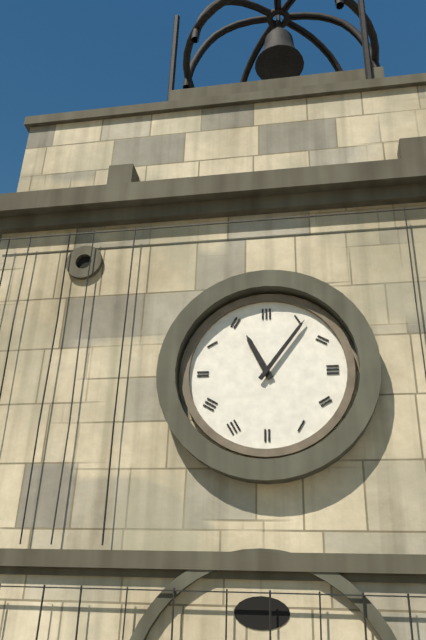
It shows 11.06
